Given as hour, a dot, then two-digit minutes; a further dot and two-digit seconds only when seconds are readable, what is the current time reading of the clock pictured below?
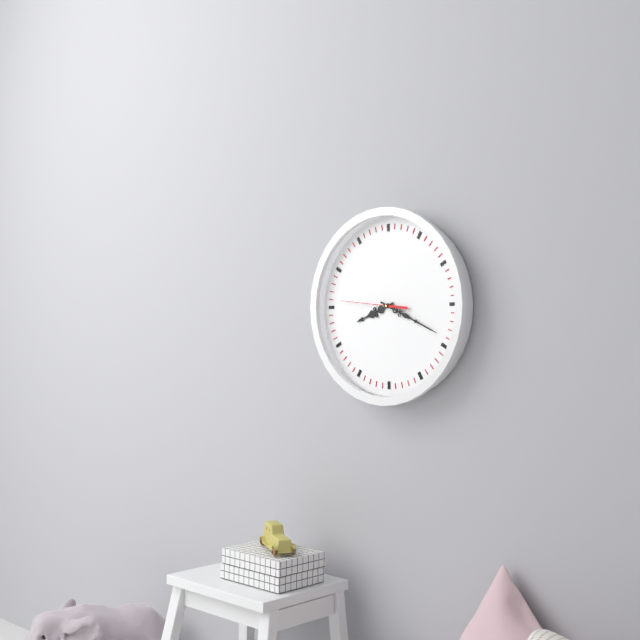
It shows 8.19.46
